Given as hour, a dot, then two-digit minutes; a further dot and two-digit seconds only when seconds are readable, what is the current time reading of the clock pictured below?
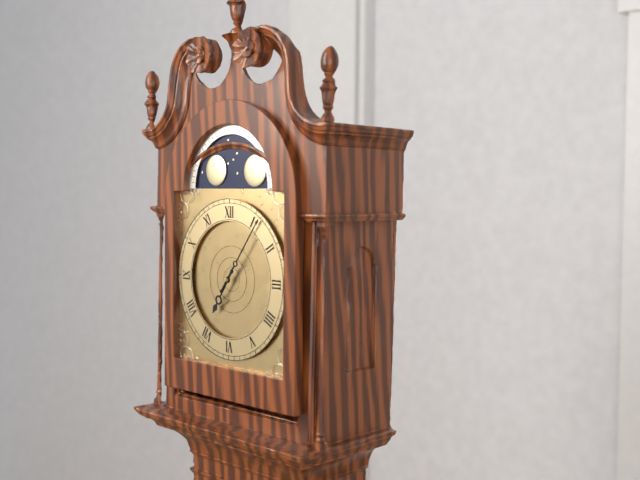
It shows 7.06
